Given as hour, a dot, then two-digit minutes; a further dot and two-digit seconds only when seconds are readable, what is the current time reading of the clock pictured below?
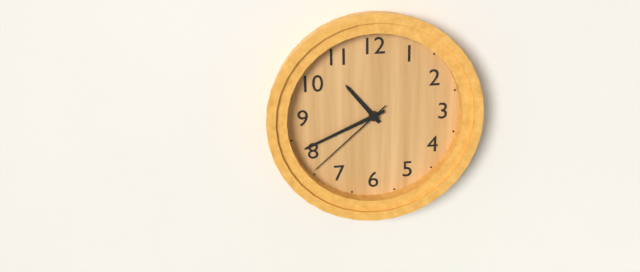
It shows 10.41.38
